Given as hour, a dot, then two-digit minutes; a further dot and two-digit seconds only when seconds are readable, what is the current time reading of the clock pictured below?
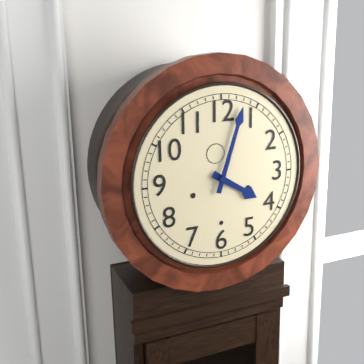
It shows 4.03
